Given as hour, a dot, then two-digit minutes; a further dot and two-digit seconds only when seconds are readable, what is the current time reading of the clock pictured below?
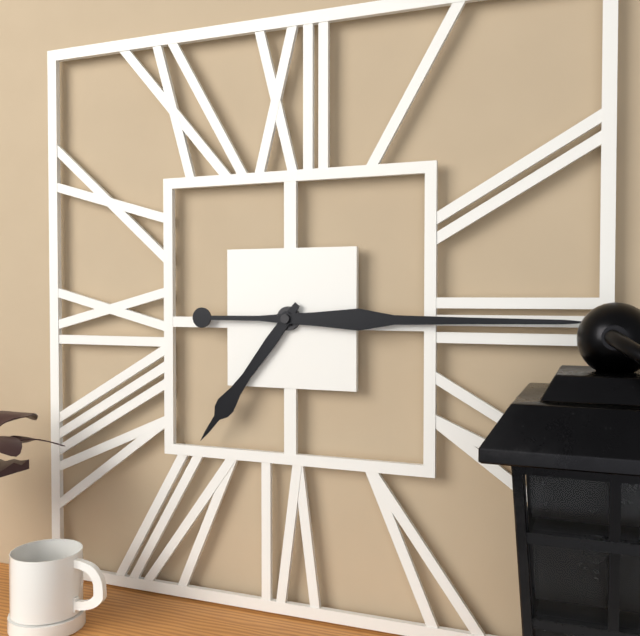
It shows 7.15
